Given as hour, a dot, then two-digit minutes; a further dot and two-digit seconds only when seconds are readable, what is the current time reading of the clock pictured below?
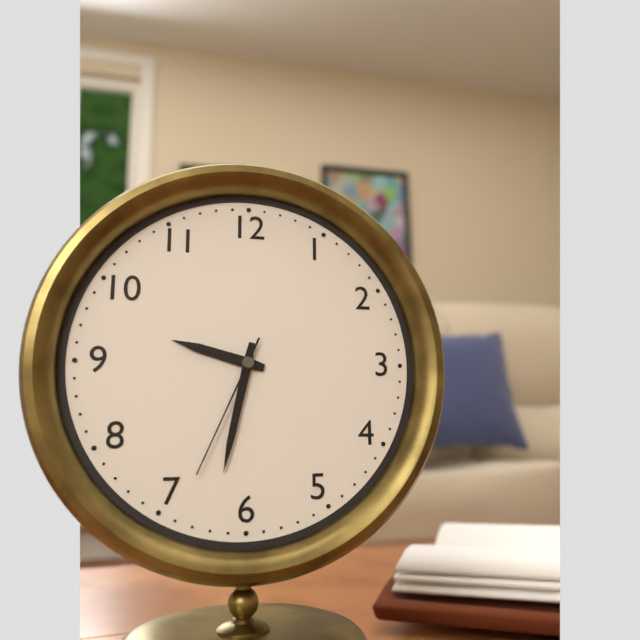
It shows 9.32.34
